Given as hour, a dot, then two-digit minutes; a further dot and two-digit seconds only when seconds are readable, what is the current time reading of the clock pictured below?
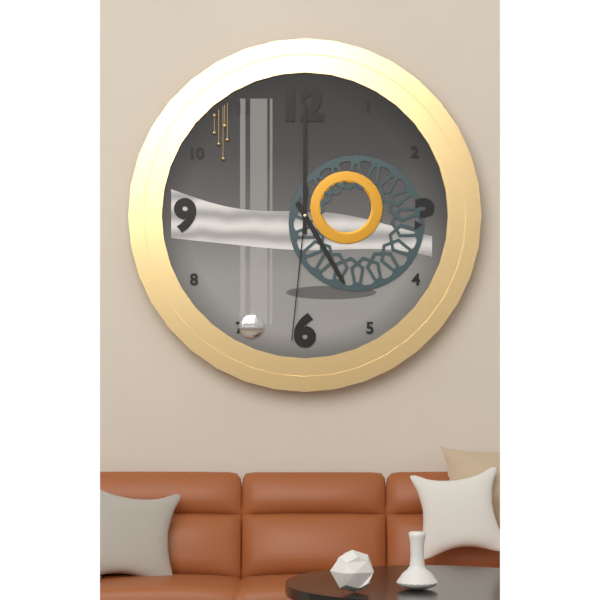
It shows 5.00.31
